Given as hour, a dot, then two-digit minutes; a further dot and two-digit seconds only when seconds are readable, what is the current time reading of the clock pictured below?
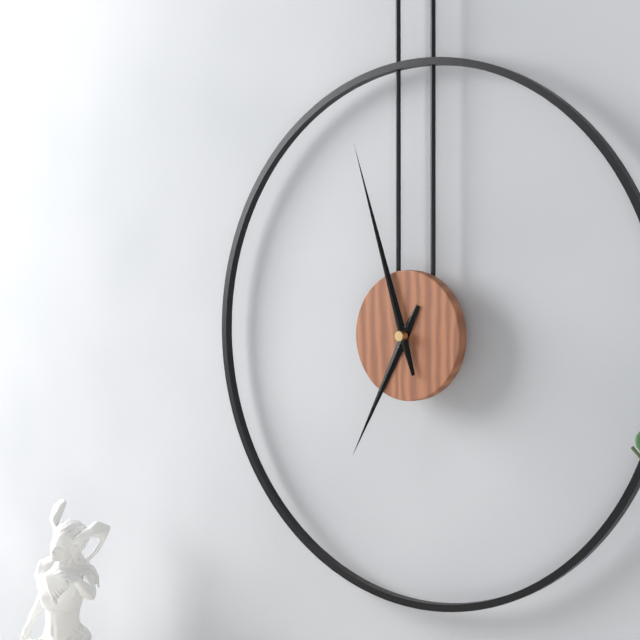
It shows 6.57
